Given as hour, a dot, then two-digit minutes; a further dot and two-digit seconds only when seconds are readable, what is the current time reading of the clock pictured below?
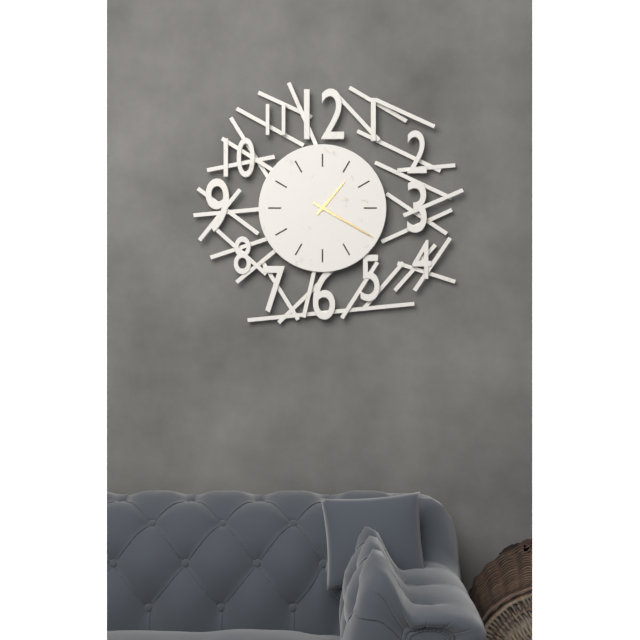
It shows 1.20
